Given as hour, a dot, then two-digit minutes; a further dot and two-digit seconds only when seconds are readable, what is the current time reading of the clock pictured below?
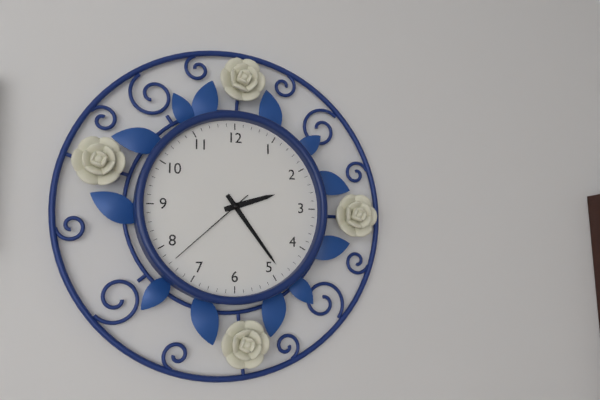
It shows 2.24.38
